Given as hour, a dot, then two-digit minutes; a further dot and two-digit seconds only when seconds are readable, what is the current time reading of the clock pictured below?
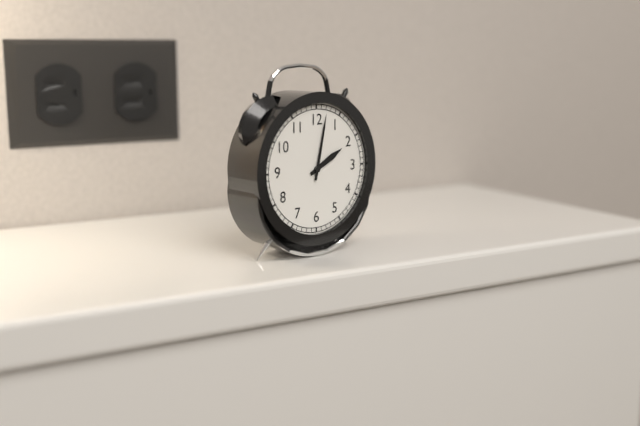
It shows 2.02
